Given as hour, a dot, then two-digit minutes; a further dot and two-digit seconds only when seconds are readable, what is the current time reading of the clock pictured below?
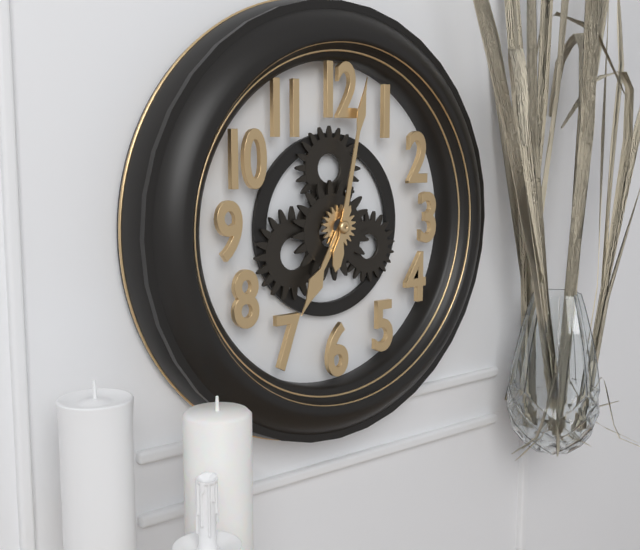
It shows 7.02
